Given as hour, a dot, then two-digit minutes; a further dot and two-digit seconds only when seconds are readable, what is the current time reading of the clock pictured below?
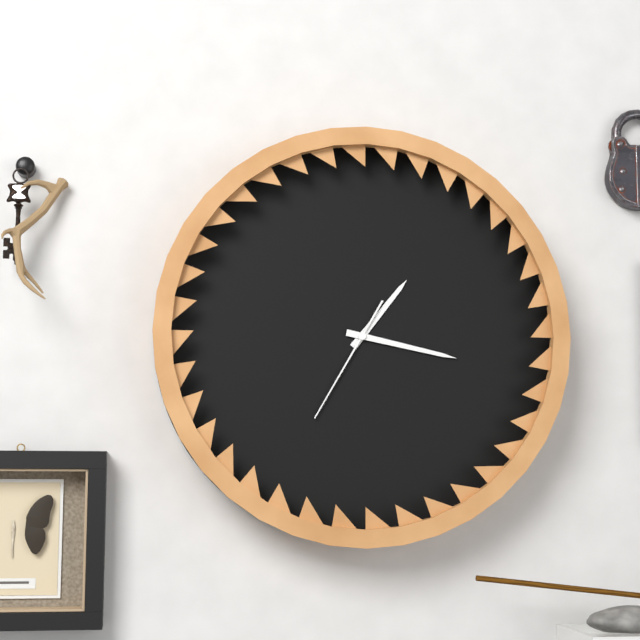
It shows 1.17.35
